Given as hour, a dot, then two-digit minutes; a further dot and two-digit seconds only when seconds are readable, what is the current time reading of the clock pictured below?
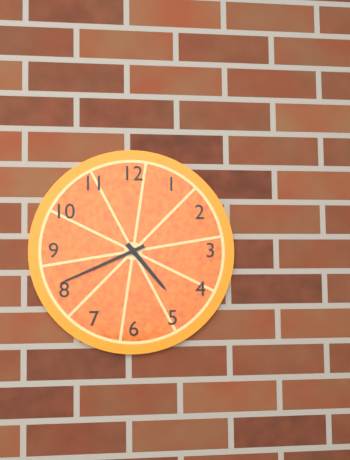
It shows 4.41
